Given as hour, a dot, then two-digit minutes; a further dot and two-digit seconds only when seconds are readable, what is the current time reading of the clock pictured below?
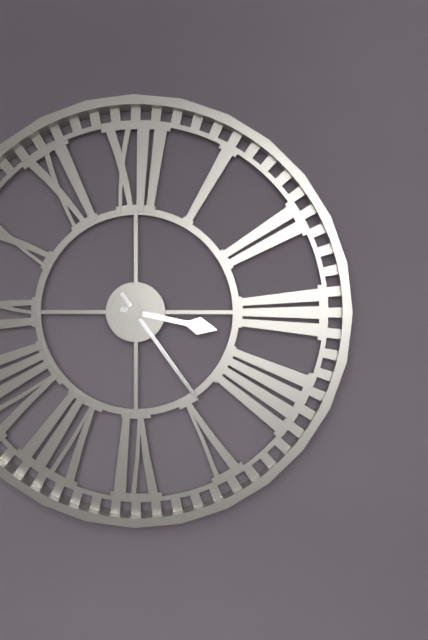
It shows 3.24
